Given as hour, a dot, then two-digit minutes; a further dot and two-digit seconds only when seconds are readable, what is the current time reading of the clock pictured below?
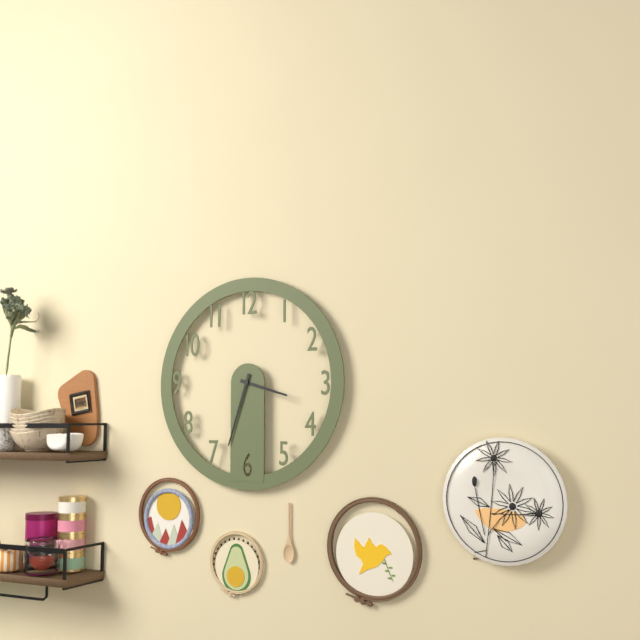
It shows 3.33
